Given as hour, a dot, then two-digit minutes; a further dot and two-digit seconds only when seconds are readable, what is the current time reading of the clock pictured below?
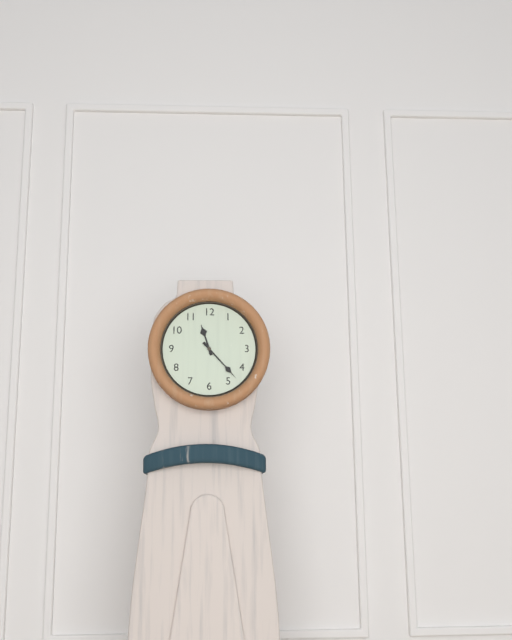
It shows 11.23
